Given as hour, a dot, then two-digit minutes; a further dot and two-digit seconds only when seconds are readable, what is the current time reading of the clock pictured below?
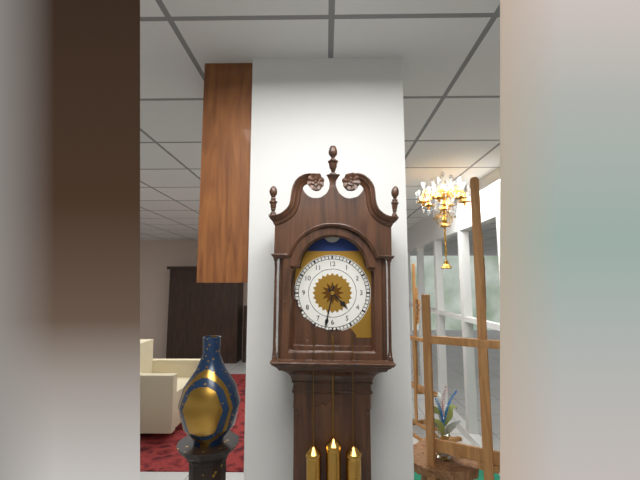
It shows 4.32
